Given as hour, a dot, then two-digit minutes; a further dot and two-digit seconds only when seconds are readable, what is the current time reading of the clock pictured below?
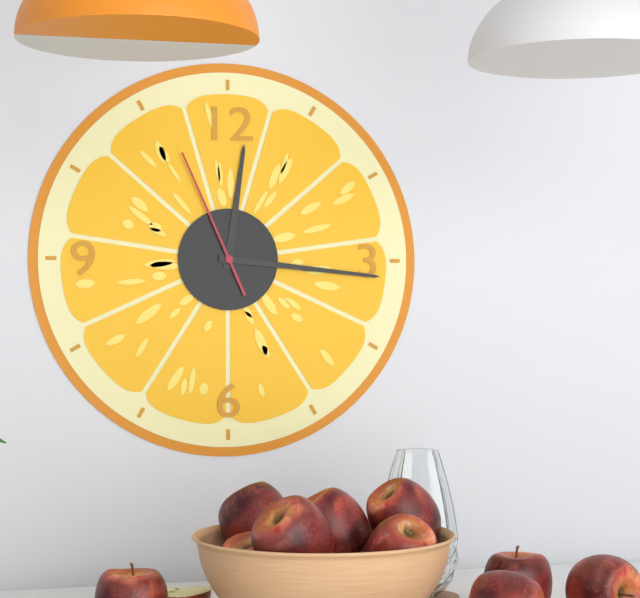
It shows 12.16.56
